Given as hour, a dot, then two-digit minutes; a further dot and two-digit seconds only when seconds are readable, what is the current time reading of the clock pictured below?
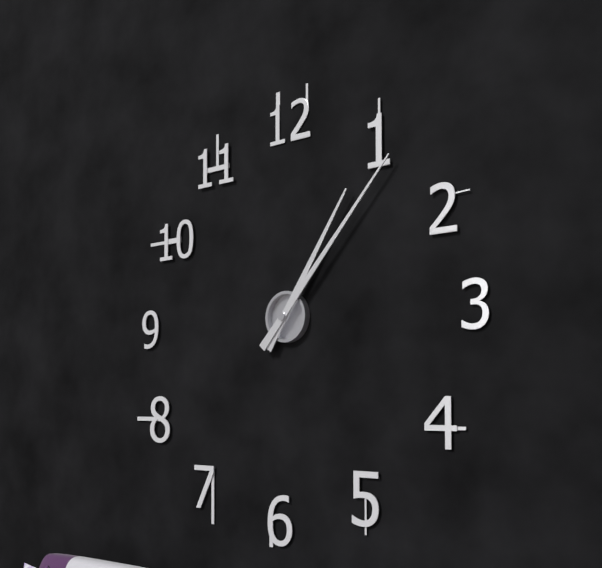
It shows 1.07
